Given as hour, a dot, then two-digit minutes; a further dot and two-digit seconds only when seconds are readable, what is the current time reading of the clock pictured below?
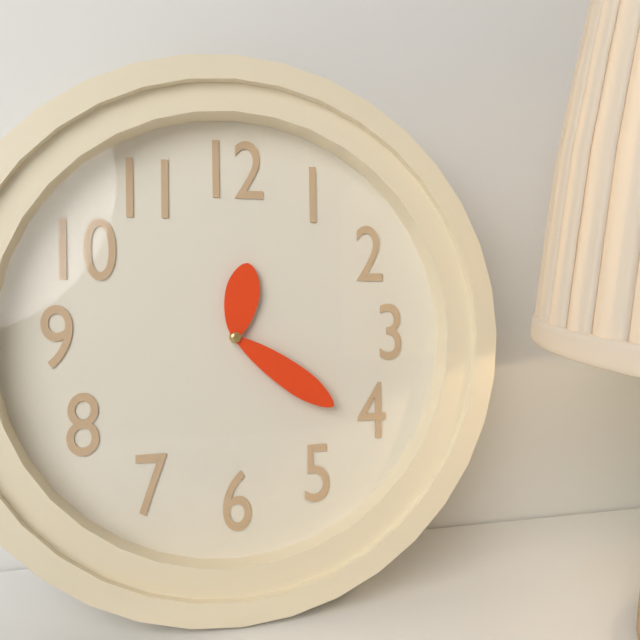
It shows 12.21
